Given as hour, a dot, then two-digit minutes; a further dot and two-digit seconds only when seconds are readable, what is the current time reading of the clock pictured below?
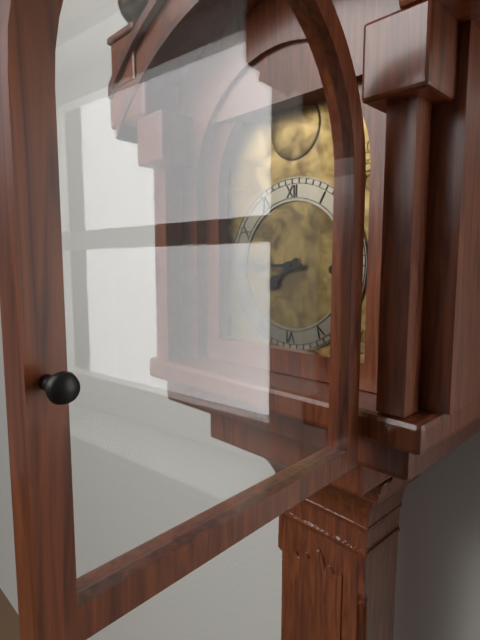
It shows 7.45
